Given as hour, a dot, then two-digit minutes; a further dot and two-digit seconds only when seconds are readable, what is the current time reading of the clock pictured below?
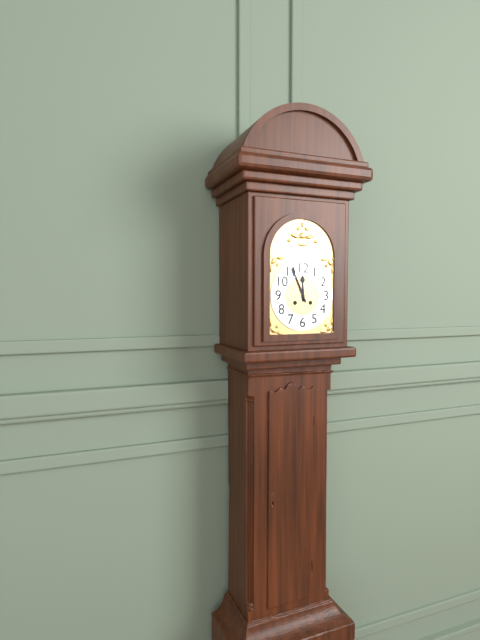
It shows 11.56
